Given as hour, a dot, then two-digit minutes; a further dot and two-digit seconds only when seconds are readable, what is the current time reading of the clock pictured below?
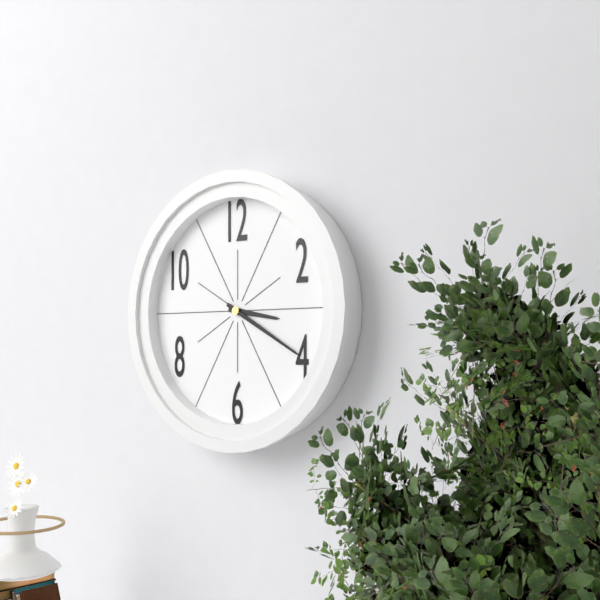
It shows 3.20
